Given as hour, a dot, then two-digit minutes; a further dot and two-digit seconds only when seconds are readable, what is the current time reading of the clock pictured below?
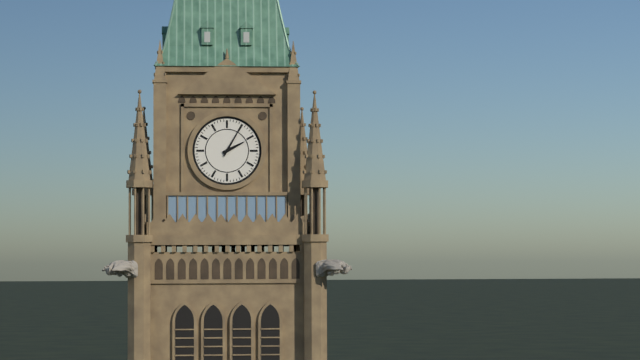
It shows 2.05
